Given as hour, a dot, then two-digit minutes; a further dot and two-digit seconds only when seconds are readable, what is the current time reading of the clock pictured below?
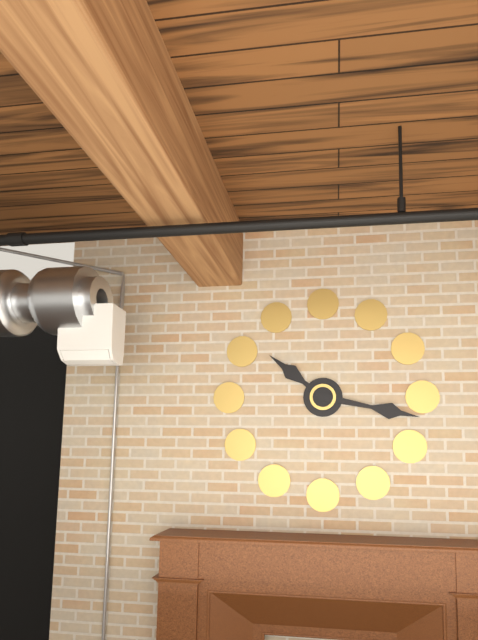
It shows 10.17
